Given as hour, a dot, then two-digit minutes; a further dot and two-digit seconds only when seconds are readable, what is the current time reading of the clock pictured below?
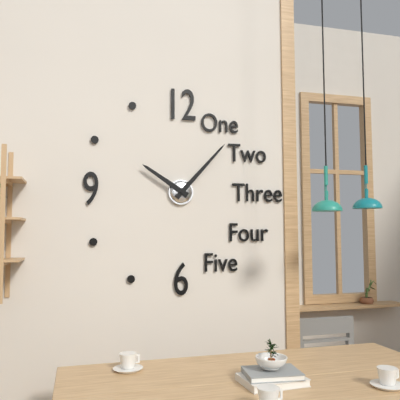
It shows 10.07
